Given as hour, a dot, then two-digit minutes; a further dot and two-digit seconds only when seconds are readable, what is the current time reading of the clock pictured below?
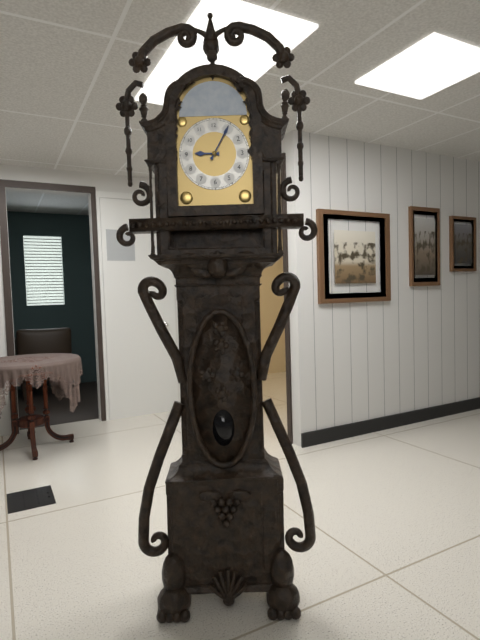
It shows 9.05
